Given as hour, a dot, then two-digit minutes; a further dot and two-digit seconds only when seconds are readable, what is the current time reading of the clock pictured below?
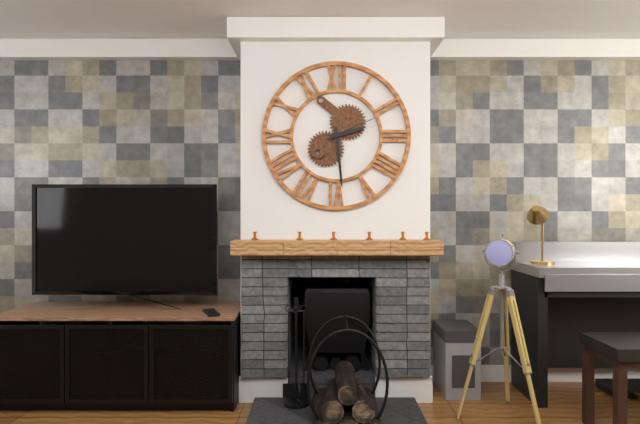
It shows 2.29.11
